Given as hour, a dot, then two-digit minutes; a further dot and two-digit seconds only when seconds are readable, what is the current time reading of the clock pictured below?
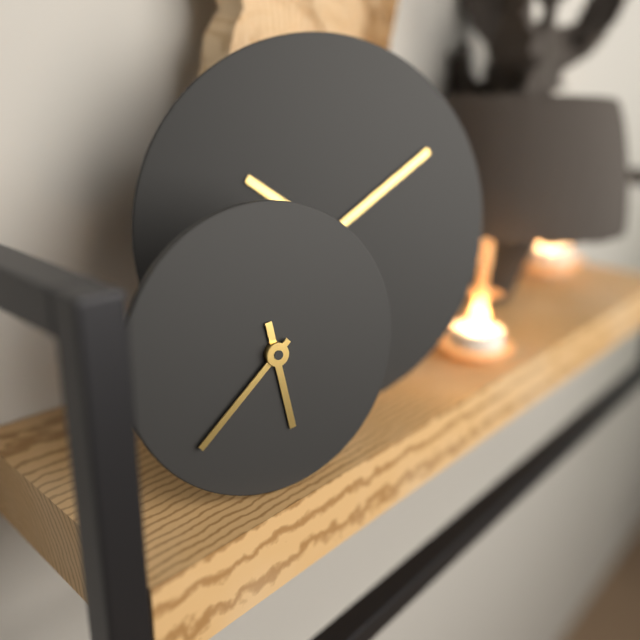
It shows 5.38
